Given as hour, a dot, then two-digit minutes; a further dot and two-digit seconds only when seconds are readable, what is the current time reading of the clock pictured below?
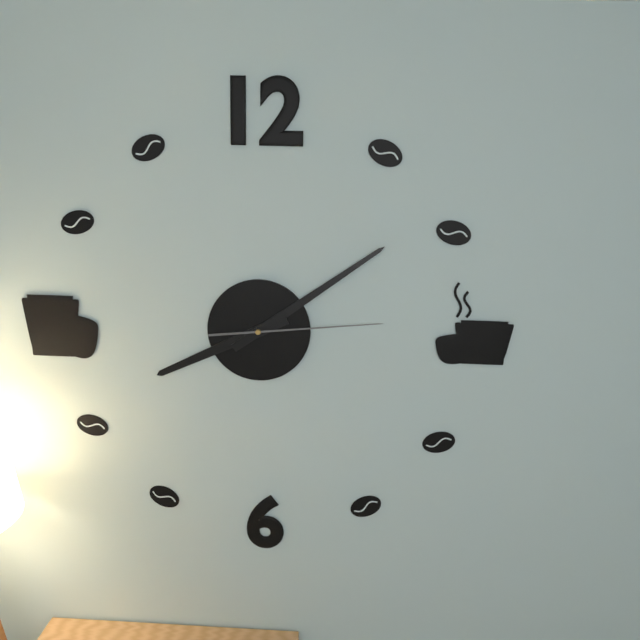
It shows 8.09.14
